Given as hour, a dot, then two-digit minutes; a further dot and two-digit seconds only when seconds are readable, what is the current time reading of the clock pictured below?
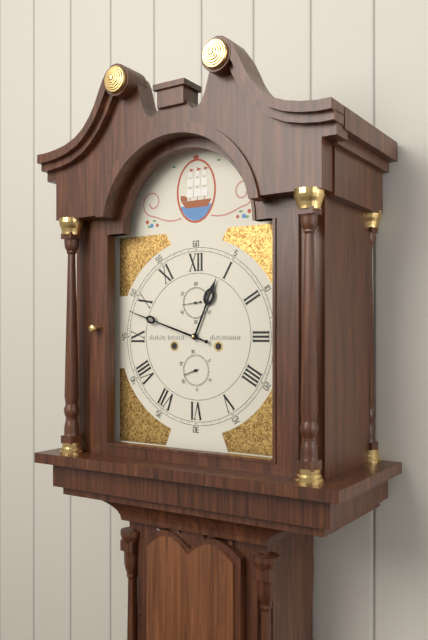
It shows 12.48
